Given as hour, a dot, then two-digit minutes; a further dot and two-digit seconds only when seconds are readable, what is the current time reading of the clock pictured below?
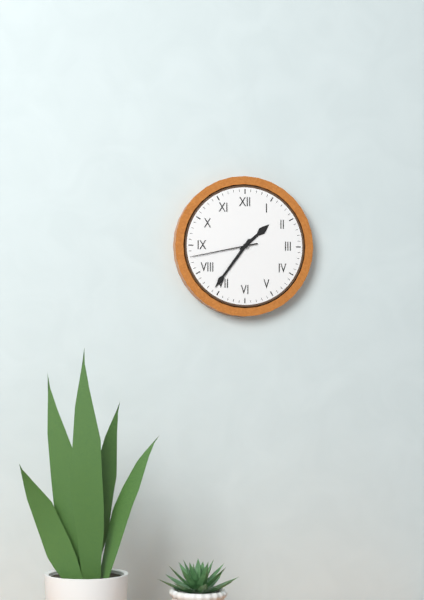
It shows 1.36.43
